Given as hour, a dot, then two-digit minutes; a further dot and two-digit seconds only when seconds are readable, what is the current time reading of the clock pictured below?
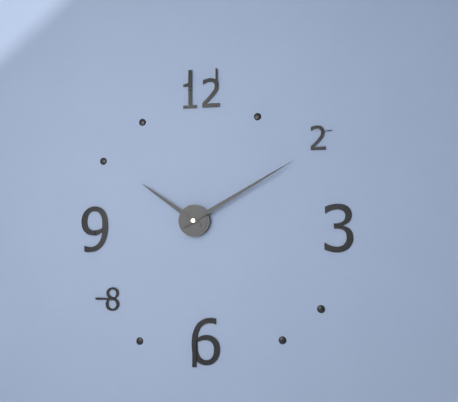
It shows 10.10
